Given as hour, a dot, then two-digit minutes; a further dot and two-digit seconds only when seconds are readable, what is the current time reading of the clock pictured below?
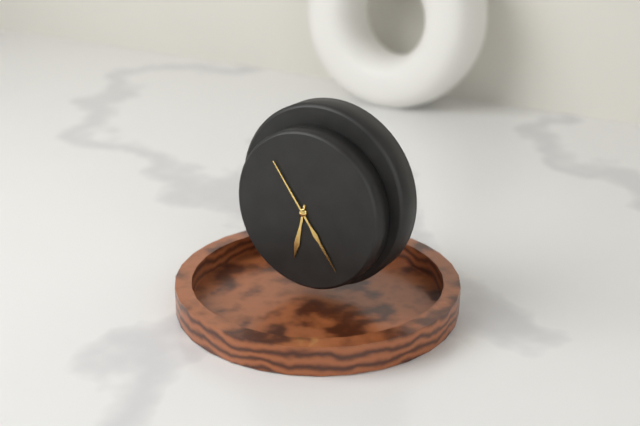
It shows 6.24
